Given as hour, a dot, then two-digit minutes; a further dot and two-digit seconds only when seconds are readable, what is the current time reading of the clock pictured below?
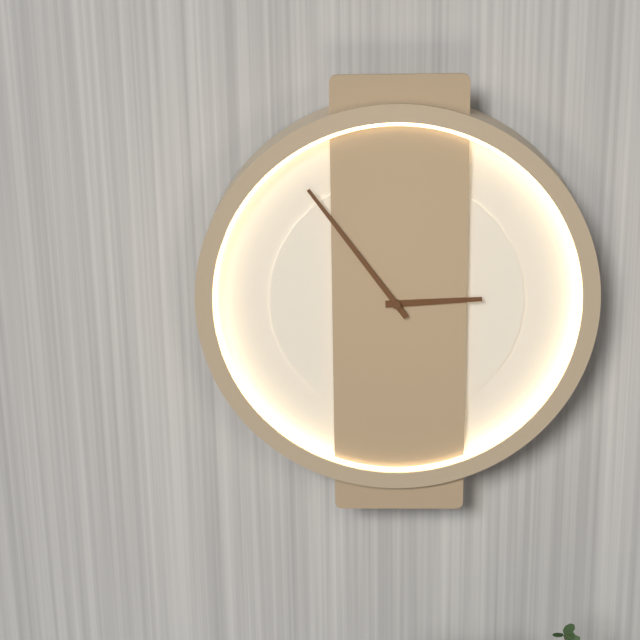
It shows 2.54
